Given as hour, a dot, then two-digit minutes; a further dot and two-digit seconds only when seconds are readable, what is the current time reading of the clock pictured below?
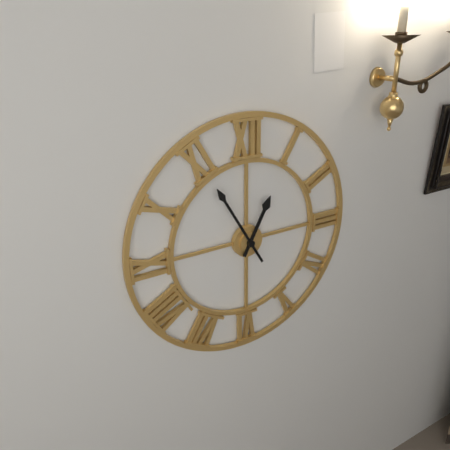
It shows 12.55
